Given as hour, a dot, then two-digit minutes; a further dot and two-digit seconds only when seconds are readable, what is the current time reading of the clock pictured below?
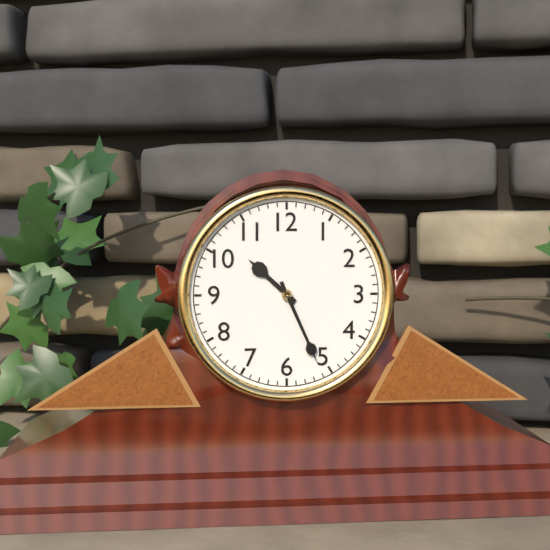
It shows 10.26
